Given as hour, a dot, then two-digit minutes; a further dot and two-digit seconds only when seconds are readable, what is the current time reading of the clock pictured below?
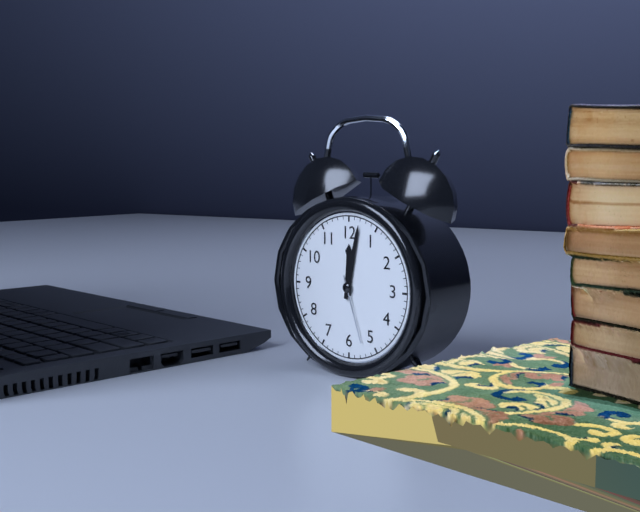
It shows 12.02.27
